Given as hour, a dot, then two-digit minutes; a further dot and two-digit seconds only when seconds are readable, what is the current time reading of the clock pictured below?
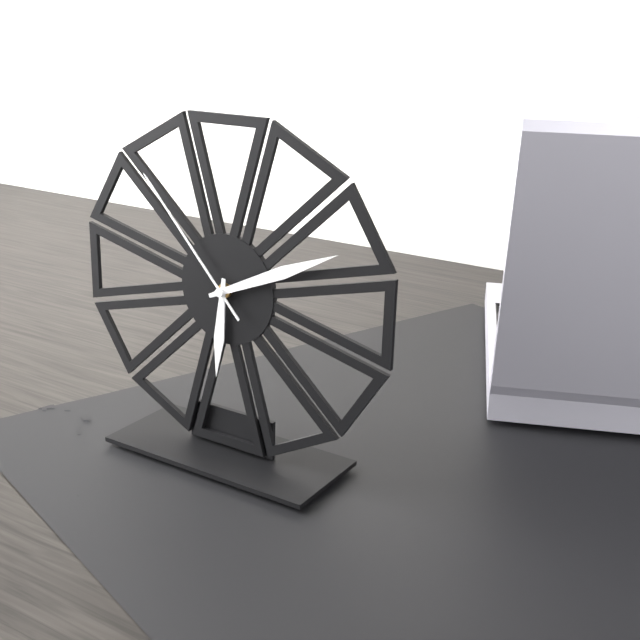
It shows 6.11.53
